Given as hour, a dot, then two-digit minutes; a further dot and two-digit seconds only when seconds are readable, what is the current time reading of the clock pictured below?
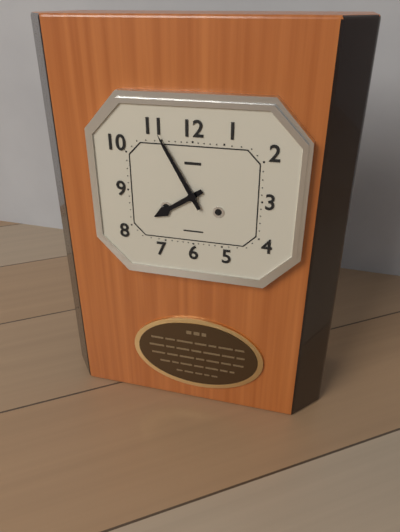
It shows 7.55
